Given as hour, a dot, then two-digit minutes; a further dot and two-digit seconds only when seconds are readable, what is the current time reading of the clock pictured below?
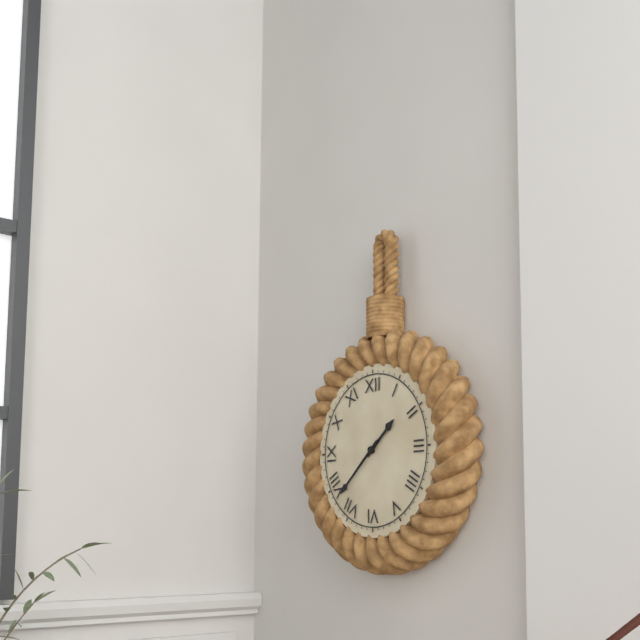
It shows 1.38
